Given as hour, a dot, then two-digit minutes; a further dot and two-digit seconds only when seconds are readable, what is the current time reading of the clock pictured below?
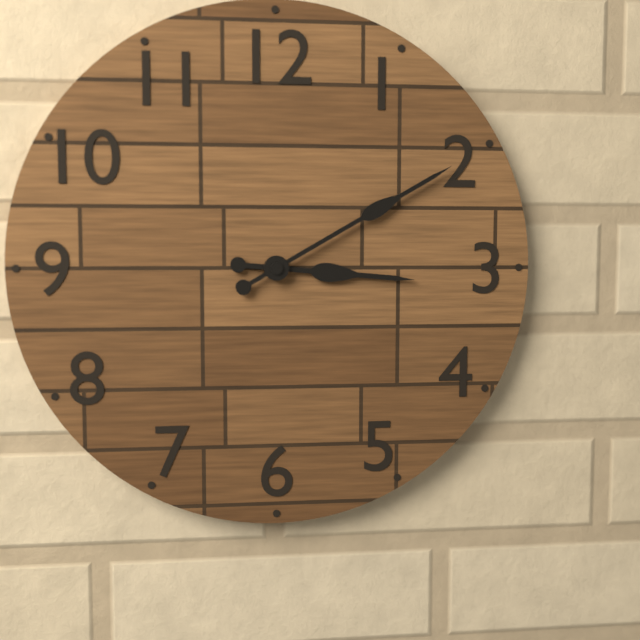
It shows 3.10
